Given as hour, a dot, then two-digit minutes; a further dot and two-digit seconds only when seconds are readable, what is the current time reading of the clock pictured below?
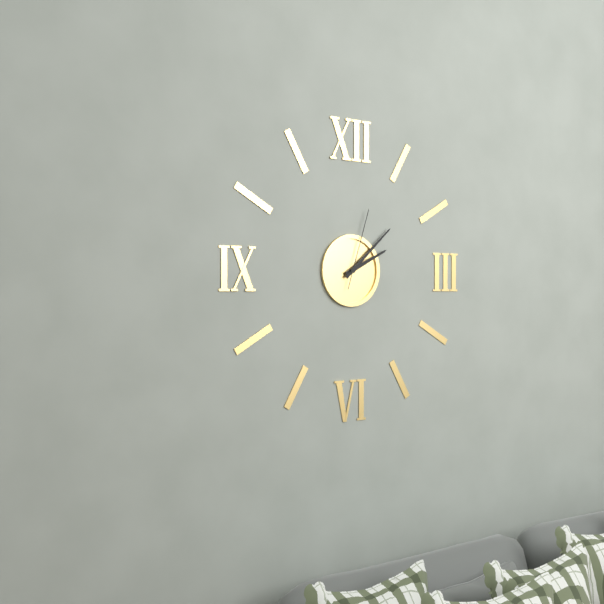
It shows 2.08.03
